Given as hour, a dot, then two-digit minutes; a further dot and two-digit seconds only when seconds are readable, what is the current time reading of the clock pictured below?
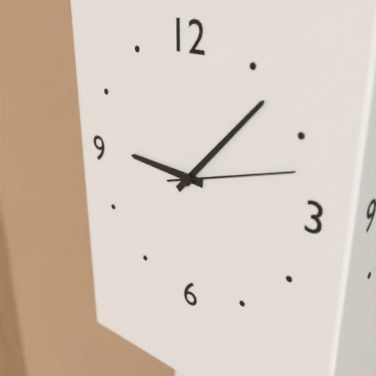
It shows 9.07.12
